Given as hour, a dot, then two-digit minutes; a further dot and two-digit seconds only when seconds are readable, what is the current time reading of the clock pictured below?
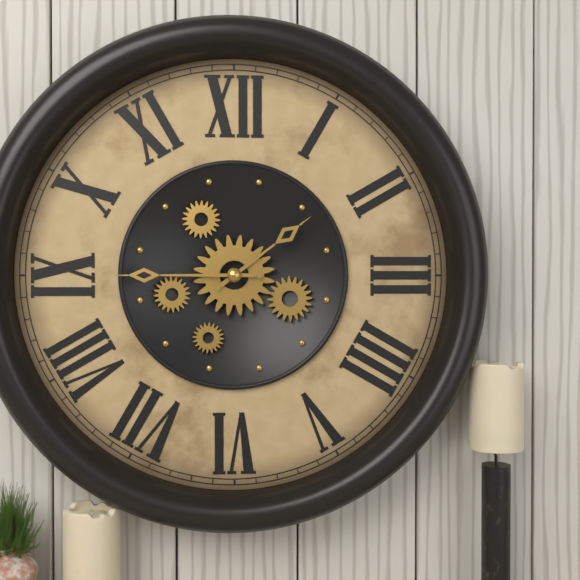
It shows 1.45
